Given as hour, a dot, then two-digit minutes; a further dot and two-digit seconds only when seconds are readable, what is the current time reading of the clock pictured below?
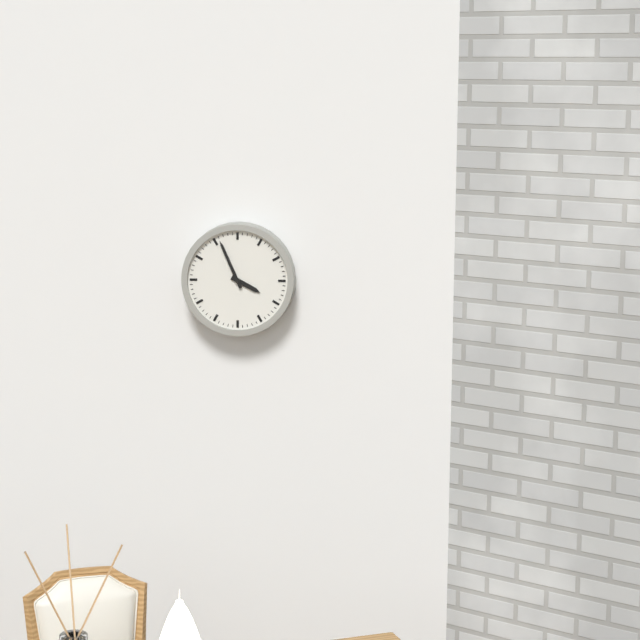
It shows 3.56
